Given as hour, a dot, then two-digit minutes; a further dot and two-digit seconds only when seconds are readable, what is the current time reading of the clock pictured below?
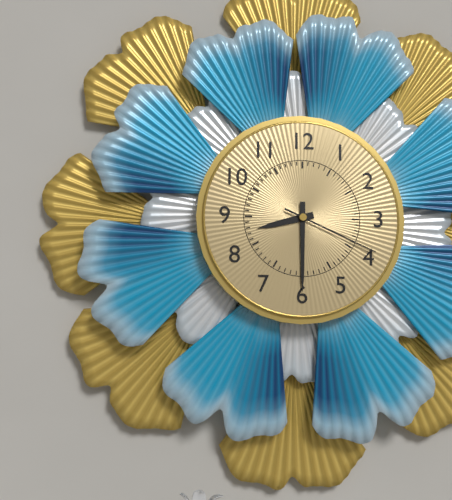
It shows 8.30.19
